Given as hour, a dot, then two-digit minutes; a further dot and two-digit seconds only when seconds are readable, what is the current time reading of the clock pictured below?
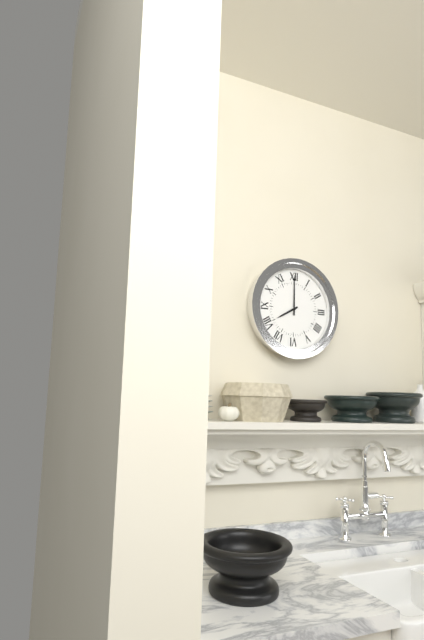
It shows 8.00
